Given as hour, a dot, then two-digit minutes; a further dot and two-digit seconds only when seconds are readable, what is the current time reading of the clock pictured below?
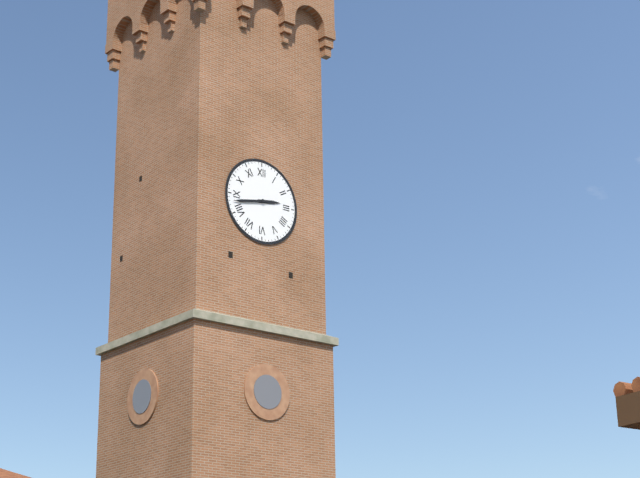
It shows 2.43
